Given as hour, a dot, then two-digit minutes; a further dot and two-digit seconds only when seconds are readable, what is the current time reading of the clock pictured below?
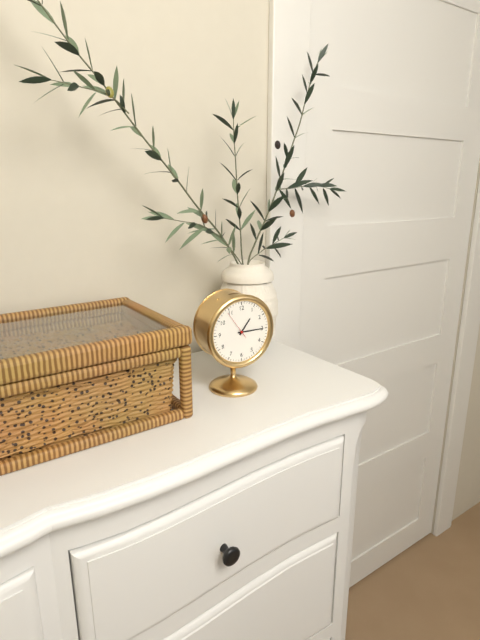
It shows 1.15
